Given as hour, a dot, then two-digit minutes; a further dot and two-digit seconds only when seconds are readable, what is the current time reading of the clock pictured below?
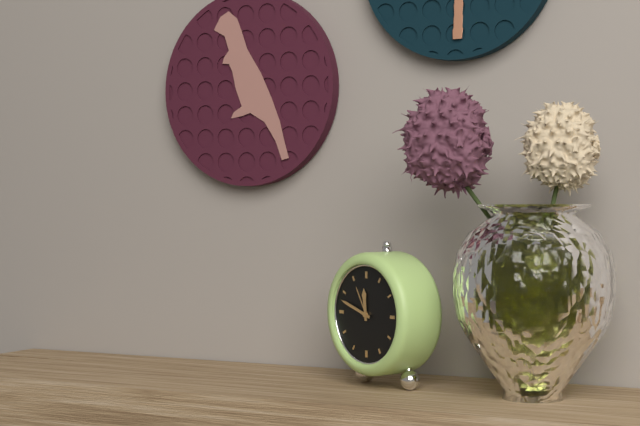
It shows 11.48
